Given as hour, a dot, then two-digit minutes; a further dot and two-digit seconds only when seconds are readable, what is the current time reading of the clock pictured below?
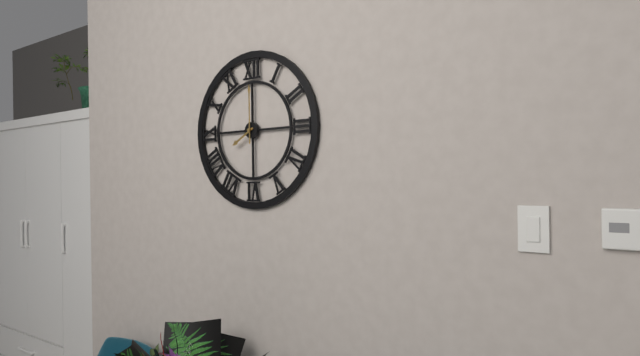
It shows 8.00
